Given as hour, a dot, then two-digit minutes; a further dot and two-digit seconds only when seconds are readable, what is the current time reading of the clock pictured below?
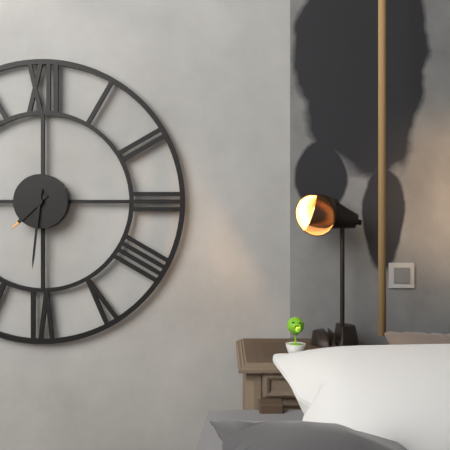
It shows 7.31
